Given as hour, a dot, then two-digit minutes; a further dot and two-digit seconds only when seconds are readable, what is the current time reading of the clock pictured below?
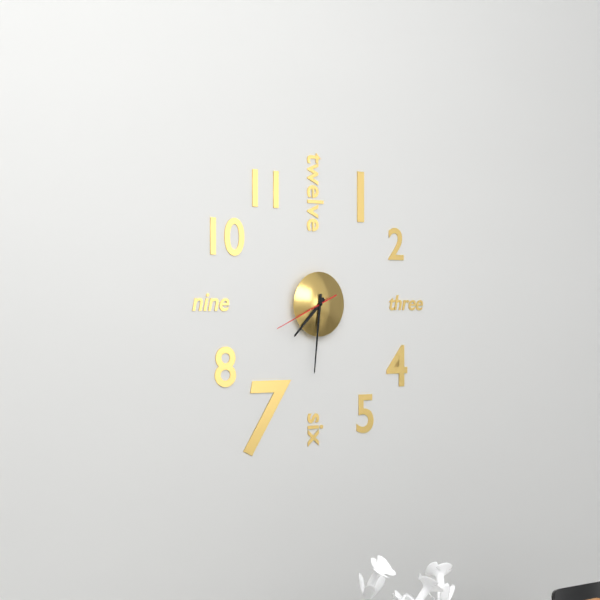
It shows 7.31.41
